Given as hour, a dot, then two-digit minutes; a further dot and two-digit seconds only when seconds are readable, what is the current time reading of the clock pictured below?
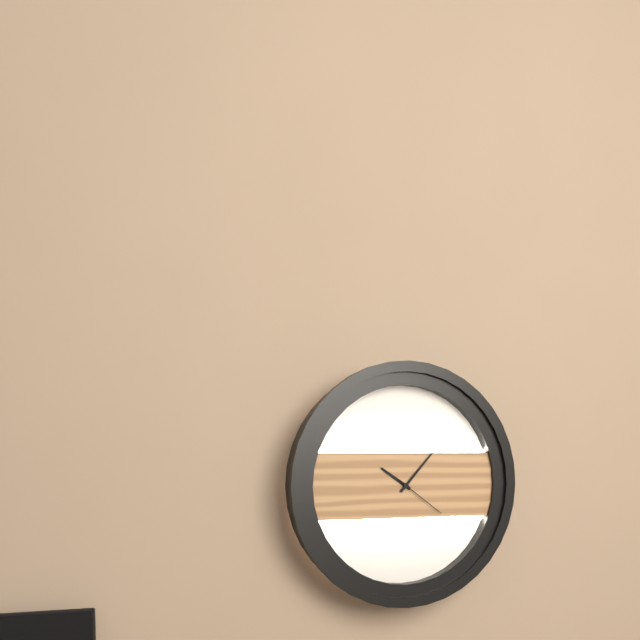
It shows 10.07.21
